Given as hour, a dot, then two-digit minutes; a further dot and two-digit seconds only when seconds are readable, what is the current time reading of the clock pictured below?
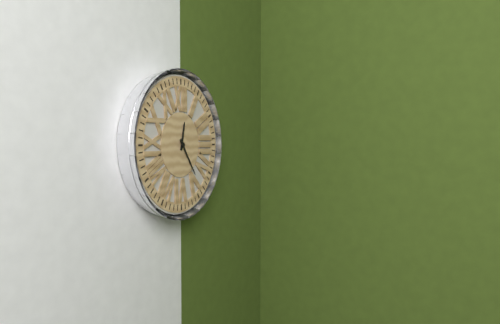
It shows 12.24
